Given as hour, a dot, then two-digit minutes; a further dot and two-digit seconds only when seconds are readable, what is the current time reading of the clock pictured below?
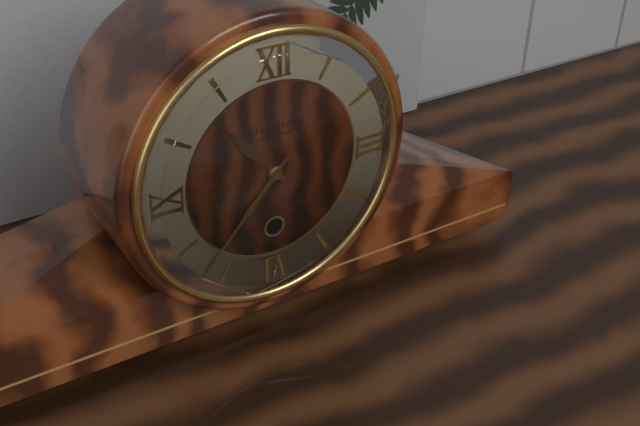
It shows 10.37
